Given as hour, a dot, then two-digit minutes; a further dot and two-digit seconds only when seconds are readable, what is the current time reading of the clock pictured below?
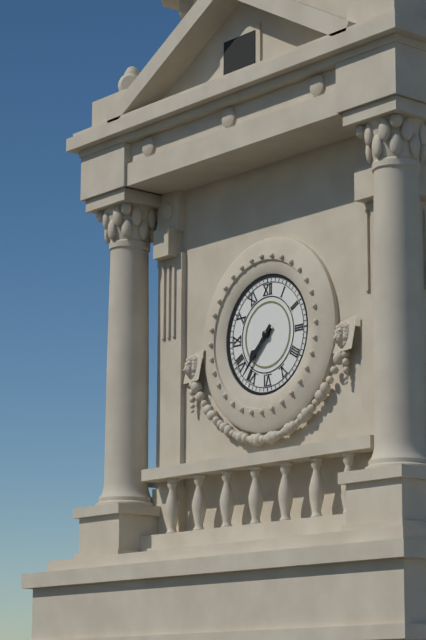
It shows 7.37
